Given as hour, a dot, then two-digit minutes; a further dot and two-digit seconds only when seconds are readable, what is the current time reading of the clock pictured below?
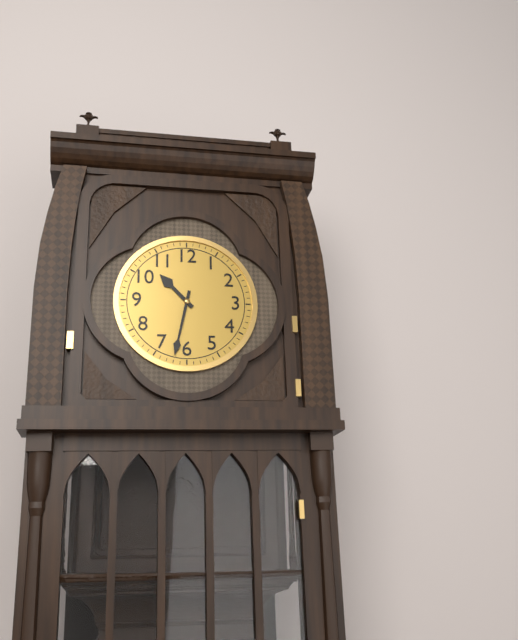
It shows 10.32
